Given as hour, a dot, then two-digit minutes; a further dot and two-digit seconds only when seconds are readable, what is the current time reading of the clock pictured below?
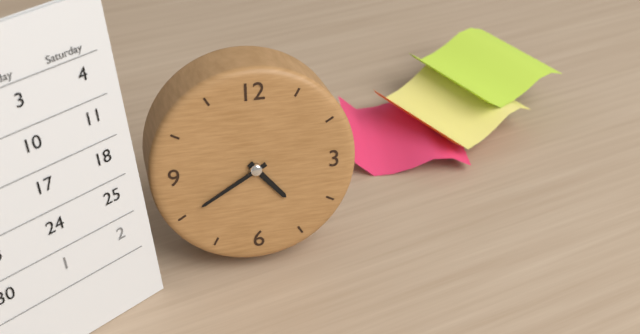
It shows 4.40
